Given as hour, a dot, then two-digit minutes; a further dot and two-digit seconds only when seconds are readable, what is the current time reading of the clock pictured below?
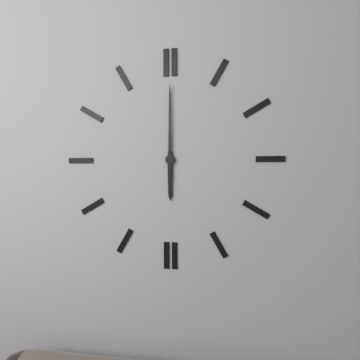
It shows 6.00
